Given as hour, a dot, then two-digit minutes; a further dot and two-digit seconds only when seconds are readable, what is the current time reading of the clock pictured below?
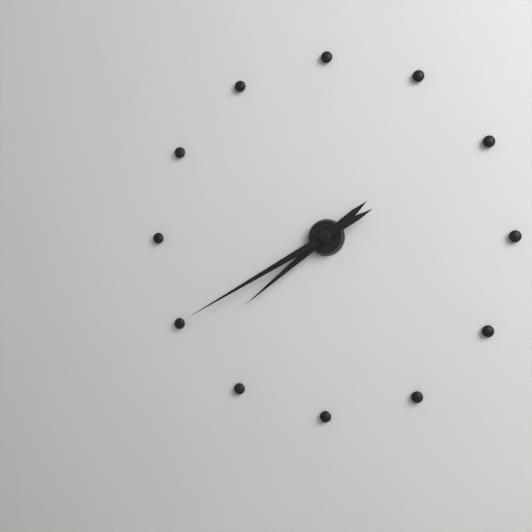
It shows 7.40
